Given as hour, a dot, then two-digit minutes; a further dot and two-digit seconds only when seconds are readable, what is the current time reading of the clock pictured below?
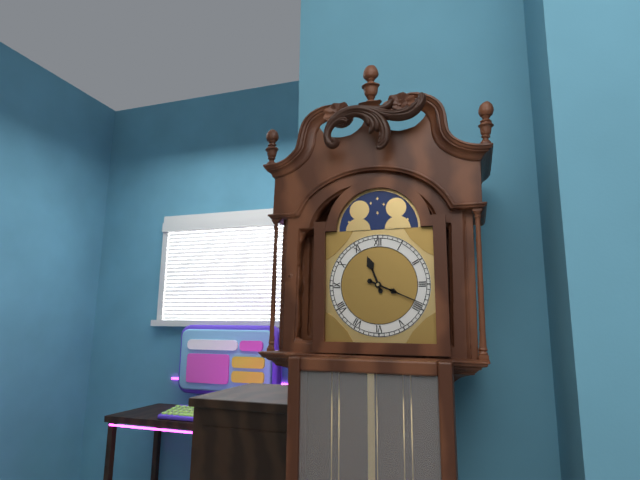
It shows 11.19
